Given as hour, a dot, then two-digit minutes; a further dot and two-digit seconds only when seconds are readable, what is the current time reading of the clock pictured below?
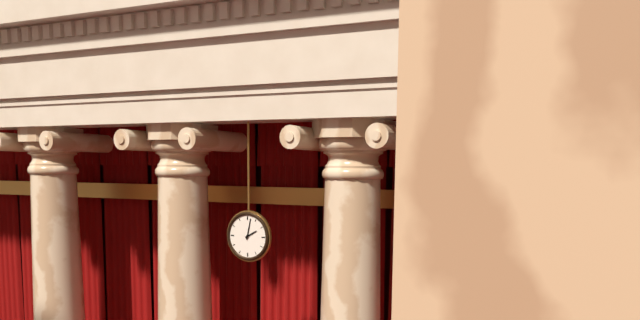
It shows 2.02
